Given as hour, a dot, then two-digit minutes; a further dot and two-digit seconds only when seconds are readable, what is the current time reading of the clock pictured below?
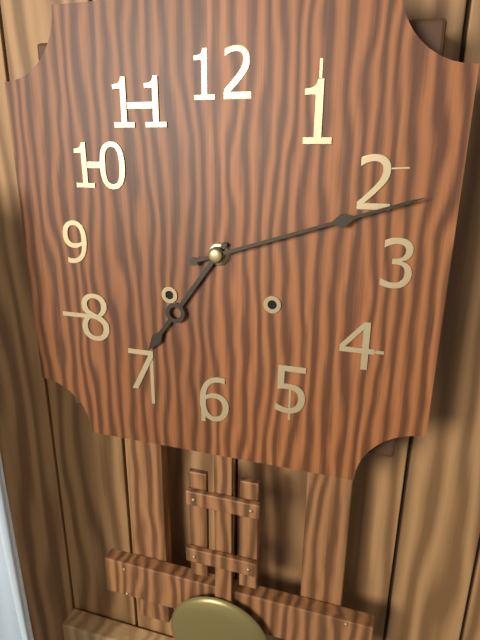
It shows 7.12
